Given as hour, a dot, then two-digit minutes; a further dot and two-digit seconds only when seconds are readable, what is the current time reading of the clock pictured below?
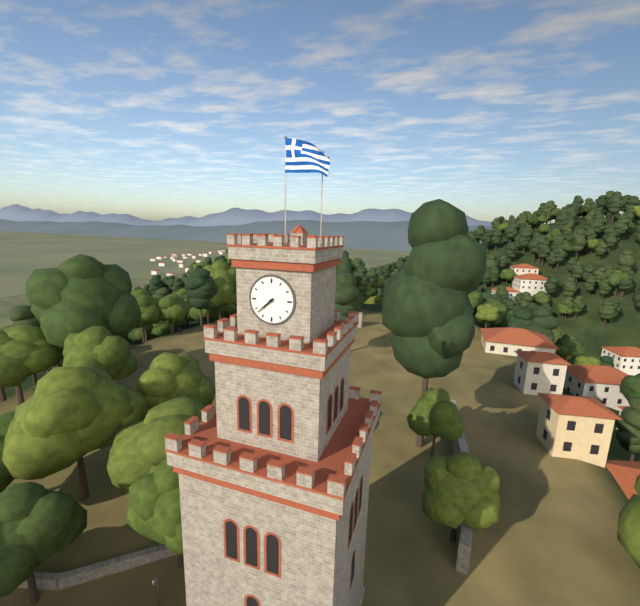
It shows 7.38
